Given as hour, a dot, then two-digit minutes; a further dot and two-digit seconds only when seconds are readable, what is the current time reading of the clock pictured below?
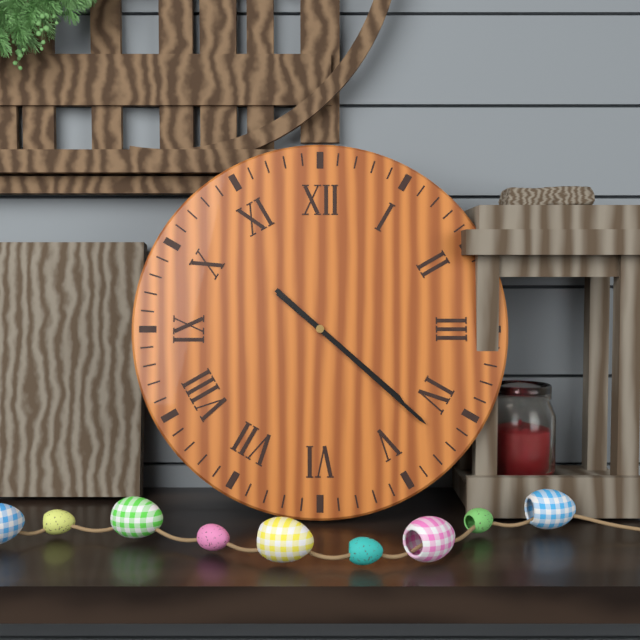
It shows 4.22
